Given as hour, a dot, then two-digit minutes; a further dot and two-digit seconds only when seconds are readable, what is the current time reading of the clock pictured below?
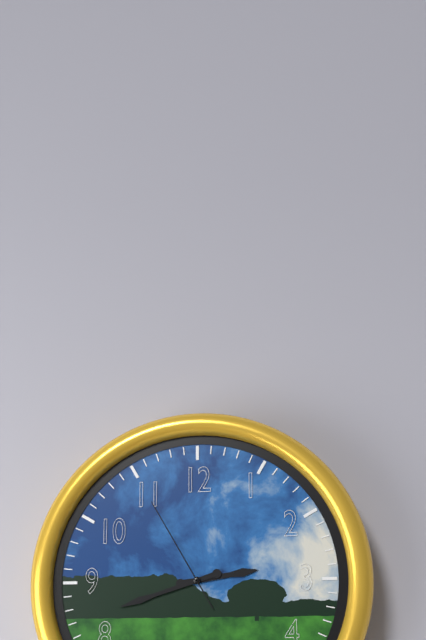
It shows 2.42.55
